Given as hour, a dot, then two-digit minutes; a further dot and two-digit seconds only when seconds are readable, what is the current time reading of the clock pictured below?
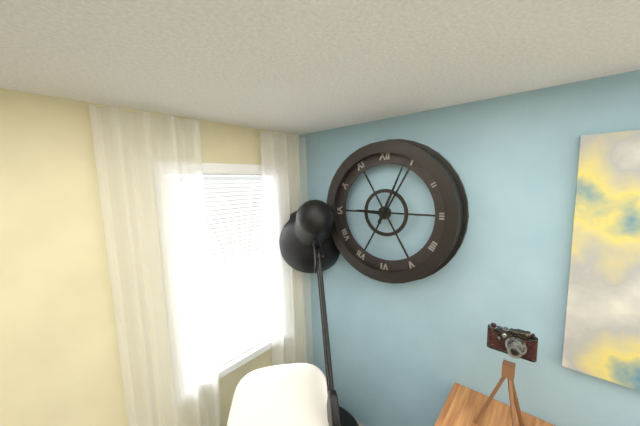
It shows 9.04
